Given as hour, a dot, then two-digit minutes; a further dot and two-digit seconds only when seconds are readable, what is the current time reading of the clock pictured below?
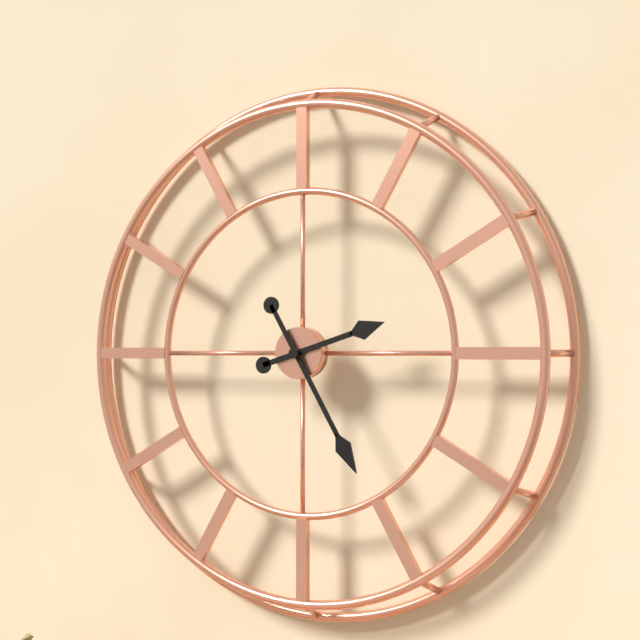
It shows 2.25
